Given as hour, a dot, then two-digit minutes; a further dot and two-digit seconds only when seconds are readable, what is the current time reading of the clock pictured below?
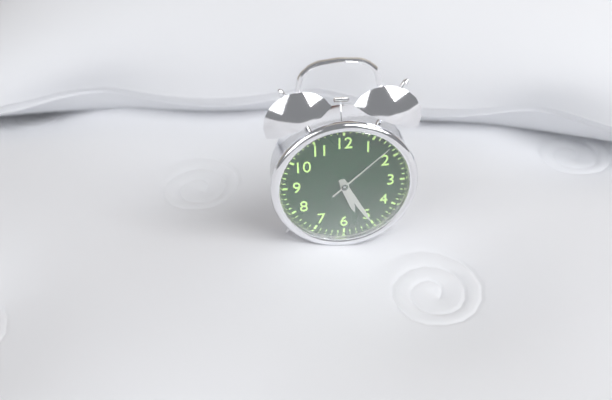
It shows 5.25.08
